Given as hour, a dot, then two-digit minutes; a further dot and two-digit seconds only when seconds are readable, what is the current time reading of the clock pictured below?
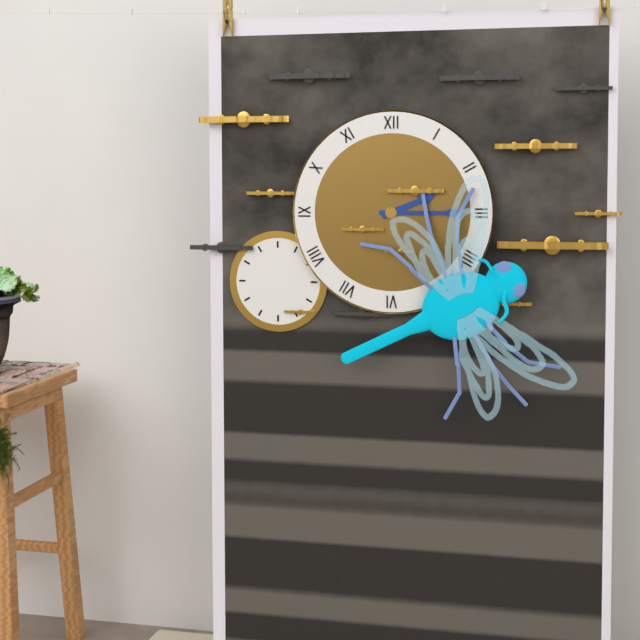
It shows 2.15
